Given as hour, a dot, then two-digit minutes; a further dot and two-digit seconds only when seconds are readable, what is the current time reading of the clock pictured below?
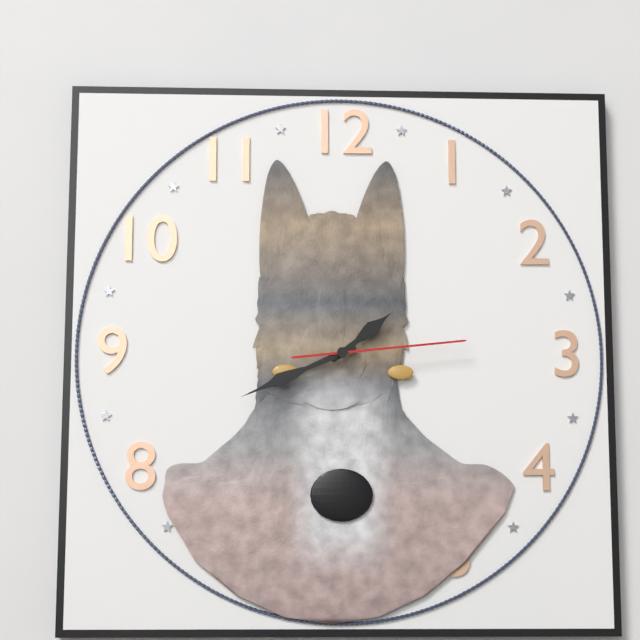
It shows 1.41.14
